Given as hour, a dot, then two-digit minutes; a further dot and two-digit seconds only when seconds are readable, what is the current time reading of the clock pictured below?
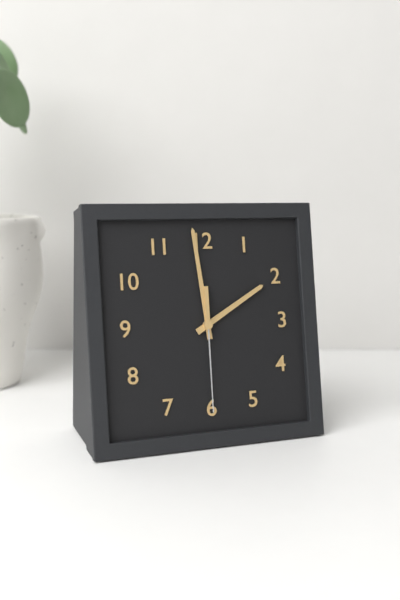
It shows 1.59.30
